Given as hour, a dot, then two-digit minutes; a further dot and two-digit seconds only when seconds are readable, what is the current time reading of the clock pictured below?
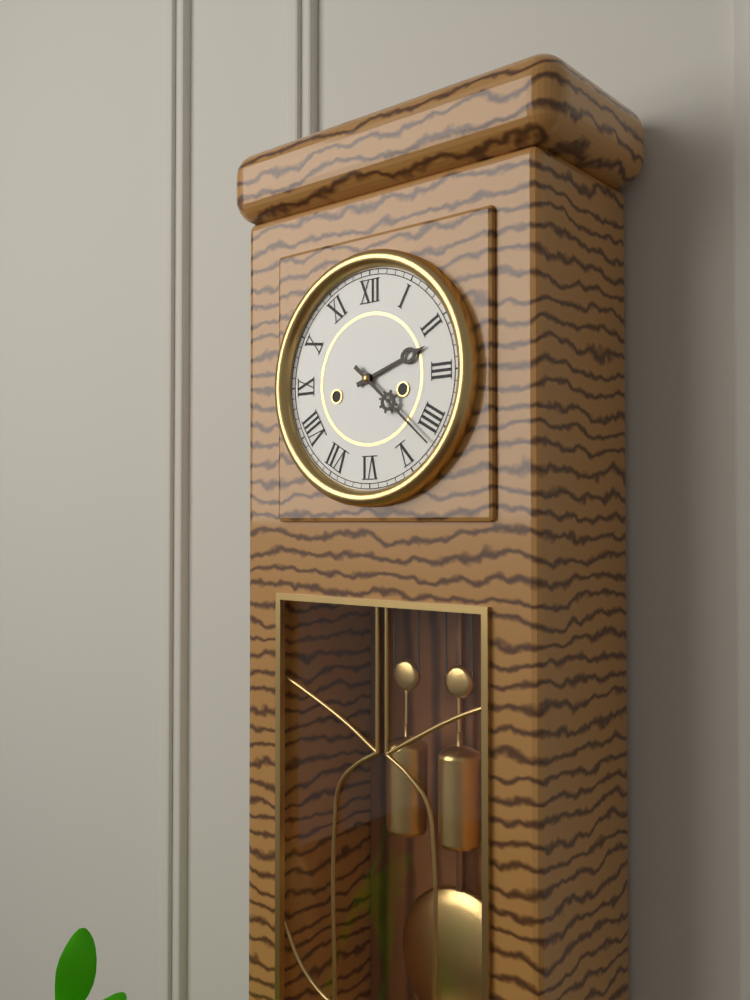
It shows 2.22
